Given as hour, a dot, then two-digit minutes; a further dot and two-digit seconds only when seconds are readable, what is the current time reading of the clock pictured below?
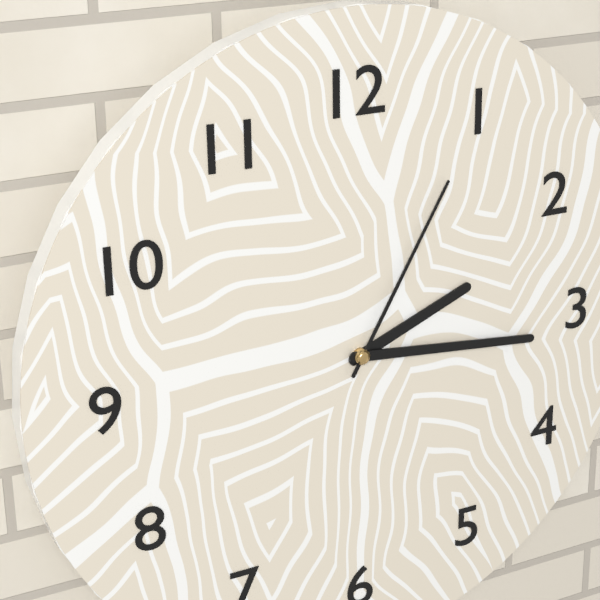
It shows 2.16.05
